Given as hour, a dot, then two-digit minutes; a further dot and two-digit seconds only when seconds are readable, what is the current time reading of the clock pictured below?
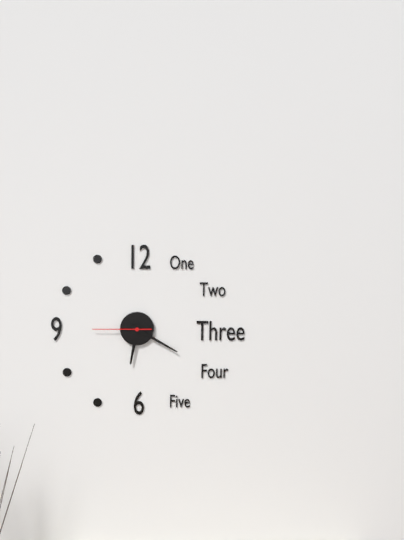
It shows 6.20.45
